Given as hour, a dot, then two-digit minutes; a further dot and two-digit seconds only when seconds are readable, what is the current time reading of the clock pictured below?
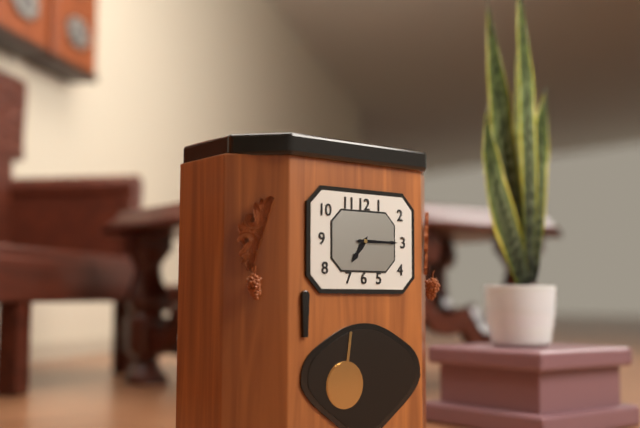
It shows 7.15
